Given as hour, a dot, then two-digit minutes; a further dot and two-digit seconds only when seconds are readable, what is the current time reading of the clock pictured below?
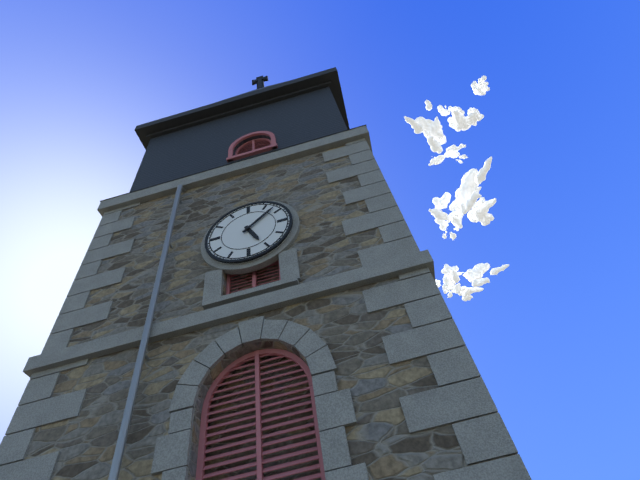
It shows 5.08
